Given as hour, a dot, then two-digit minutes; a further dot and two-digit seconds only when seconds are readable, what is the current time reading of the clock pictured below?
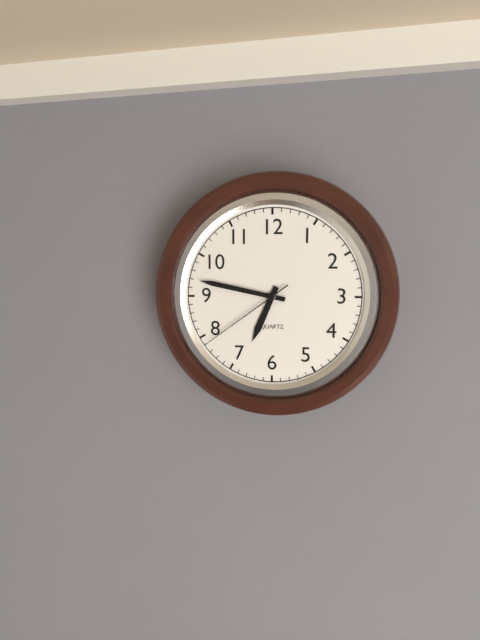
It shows 6.47.39
